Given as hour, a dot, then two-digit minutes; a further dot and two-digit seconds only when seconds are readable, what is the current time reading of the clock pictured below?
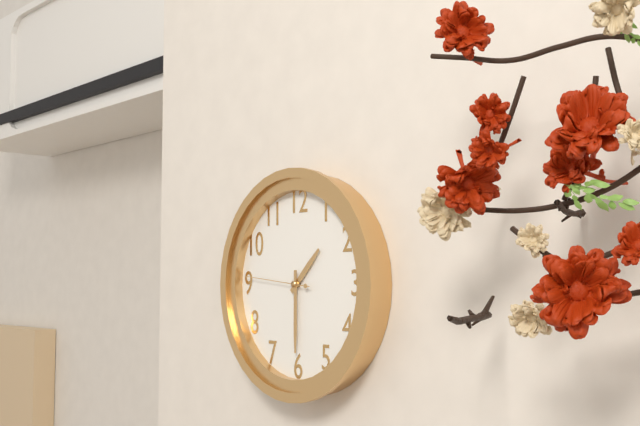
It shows 1.30.46
